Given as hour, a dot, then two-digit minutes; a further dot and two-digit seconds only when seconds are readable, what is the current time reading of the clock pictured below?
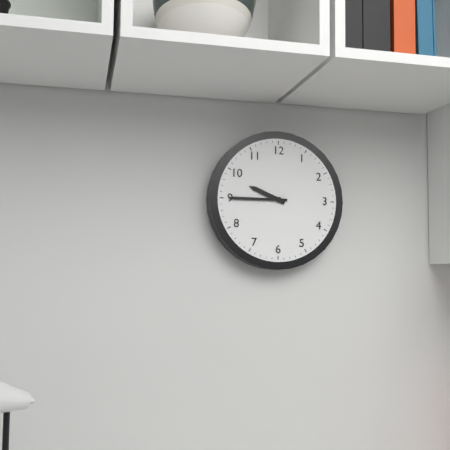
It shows 9.45
